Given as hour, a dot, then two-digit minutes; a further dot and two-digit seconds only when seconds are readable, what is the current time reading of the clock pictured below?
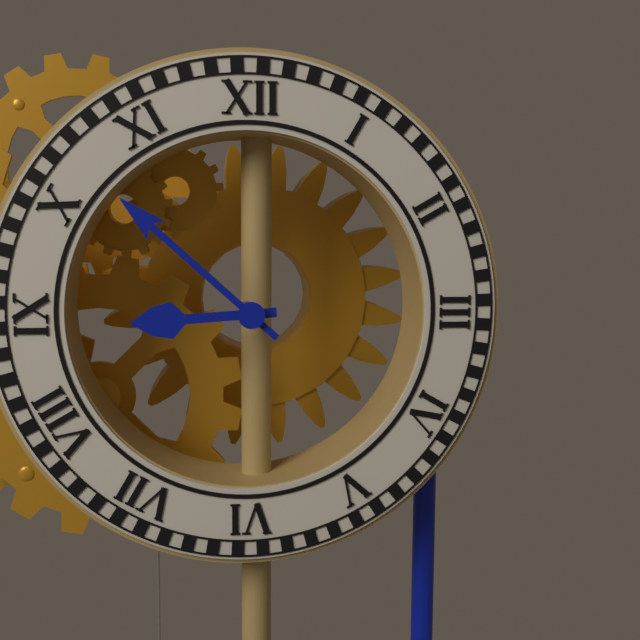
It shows 8.52
